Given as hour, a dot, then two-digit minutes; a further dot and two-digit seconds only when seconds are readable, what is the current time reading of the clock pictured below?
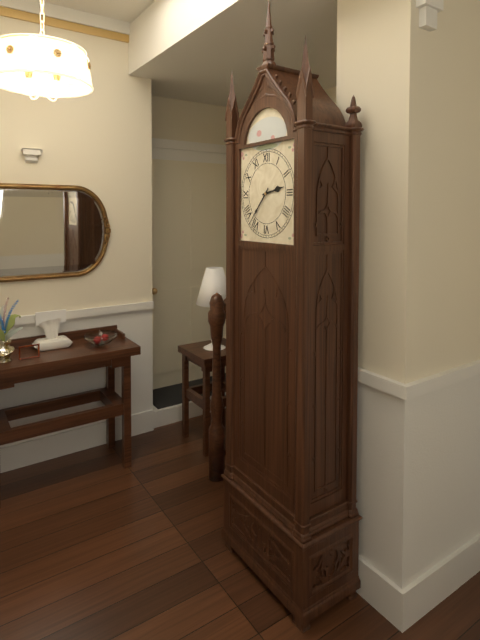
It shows 2.37
